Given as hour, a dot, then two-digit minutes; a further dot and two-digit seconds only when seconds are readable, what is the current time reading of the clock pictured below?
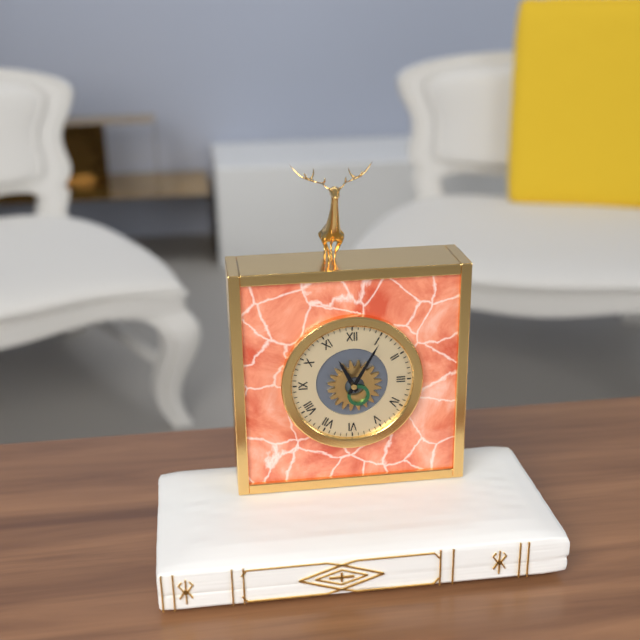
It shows 11.05
